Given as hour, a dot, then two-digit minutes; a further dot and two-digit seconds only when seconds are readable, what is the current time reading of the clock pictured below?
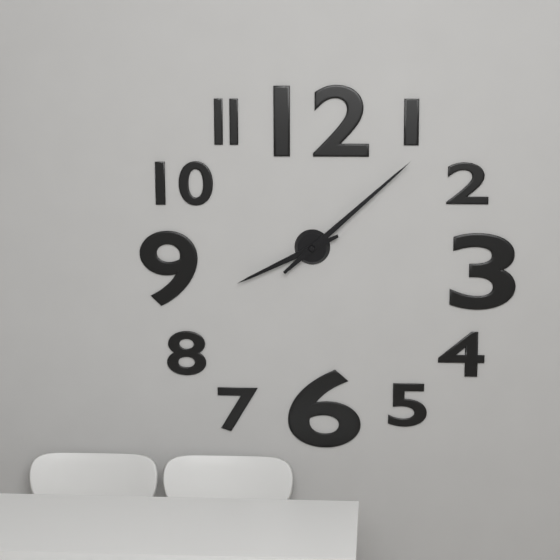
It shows 8.08
